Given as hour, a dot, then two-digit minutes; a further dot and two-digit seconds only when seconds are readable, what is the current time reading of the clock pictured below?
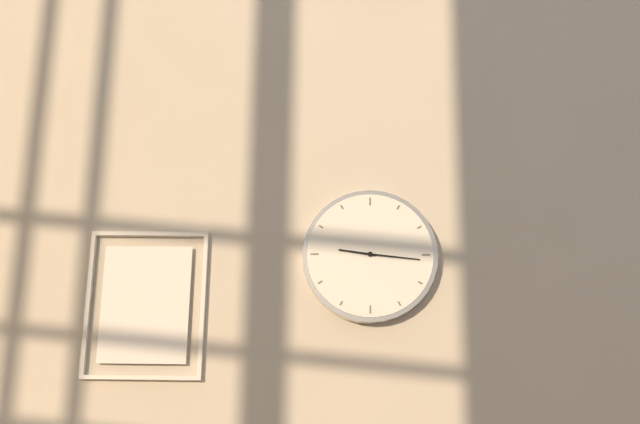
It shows 9.16
